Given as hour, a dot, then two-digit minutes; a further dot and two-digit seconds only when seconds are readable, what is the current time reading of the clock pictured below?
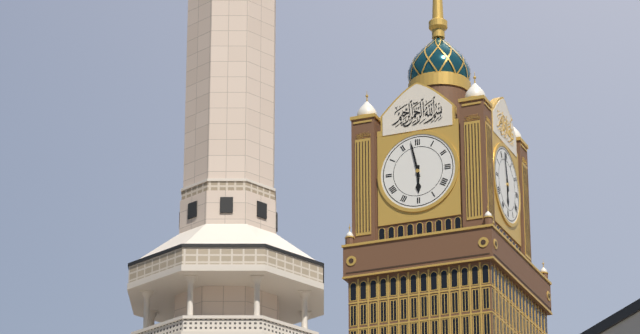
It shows 5.58
